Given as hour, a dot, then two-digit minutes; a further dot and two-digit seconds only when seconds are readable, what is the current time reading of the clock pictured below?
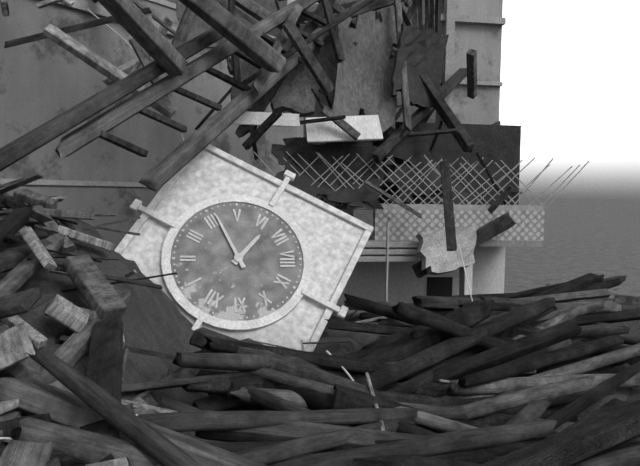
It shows 6.21
